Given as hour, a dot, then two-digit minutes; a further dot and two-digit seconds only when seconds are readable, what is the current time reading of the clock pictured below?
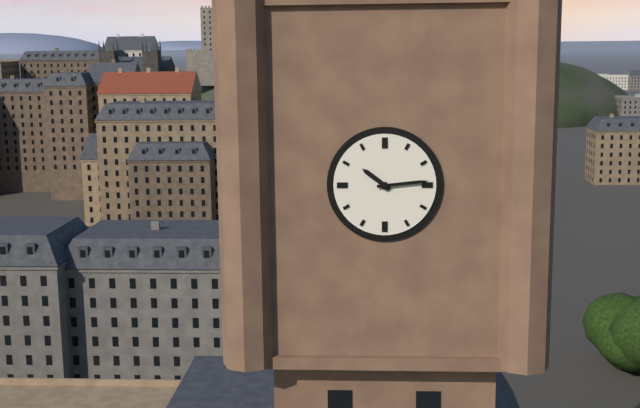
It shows 10.14
